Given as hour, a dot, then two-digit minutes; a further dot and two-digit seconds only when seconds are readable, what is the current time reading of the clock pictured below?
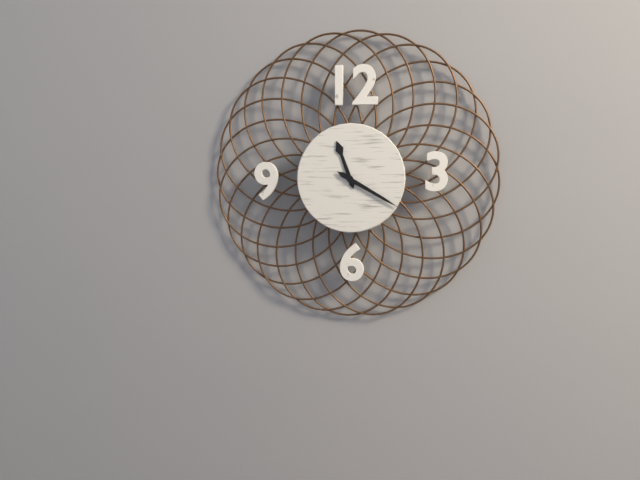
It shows 11.20
